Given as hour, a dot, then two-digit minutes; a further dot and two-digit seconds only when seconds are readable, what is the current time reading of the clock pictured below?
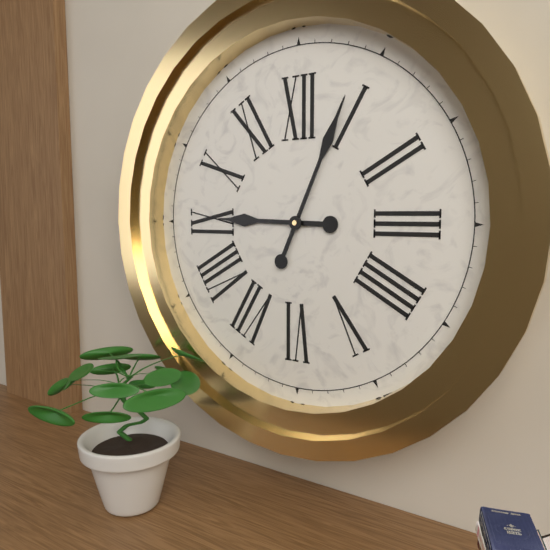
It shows 9.04
